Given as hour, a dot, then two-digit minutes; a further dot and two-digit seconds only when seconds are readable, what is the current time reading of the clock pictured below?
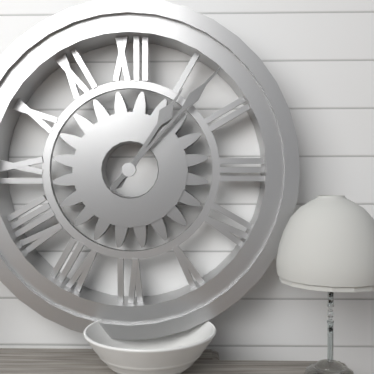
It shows 1.07
